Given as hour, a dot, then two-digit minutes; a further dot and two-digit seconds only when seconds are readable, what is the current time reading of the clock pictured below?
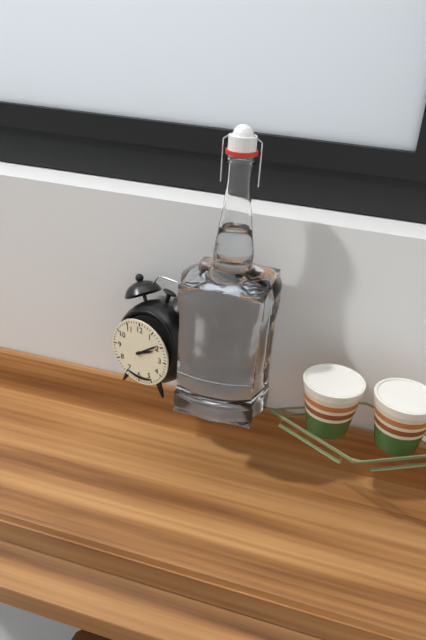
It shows 2.09
